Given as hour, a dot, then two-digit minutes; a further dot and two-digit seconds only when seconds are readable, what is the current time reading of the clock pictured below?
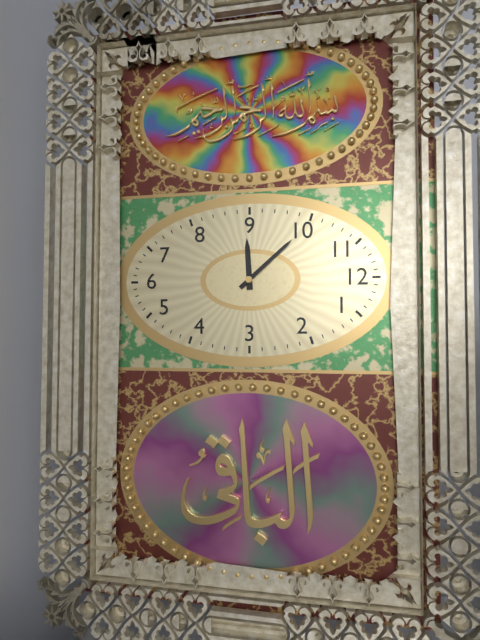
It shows 8.53
